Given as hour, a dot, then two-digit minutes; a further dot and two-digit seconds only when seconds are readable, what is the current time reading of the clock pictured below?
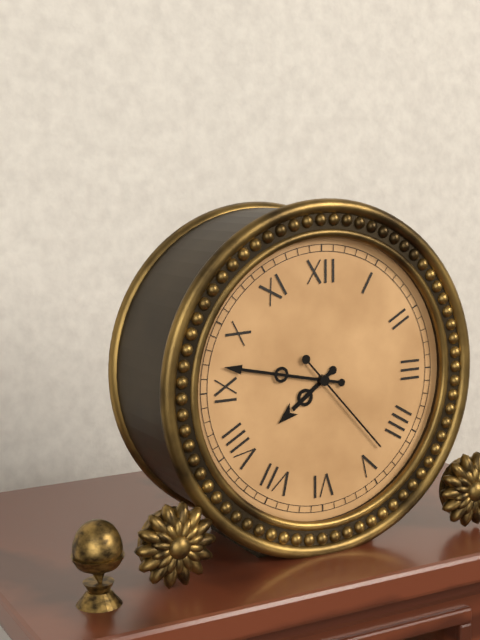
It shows 7.47.23
